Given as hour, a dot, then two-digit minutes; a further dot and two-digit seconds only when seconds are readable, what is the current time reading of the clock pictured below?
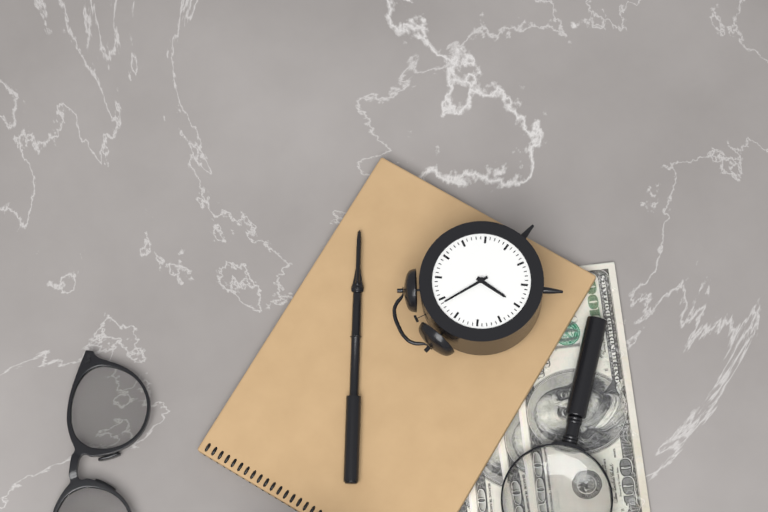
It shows 7.59
